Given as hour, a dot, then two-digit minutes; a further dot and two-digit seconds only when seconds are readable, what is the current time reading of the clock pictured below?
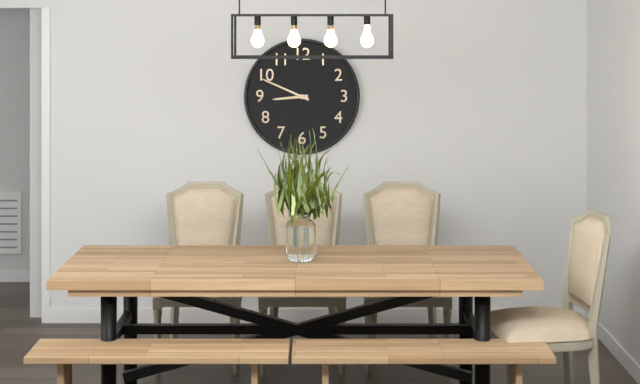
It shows 8.49
